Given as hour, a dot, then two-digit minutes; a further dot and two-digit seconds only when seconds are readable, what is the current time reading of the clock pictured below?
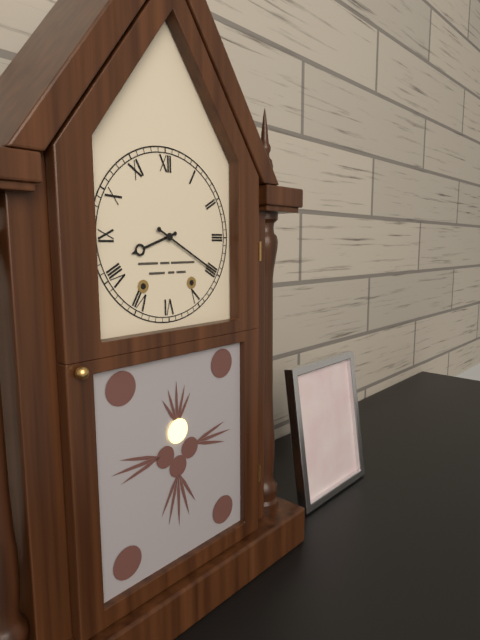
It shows 8.20
